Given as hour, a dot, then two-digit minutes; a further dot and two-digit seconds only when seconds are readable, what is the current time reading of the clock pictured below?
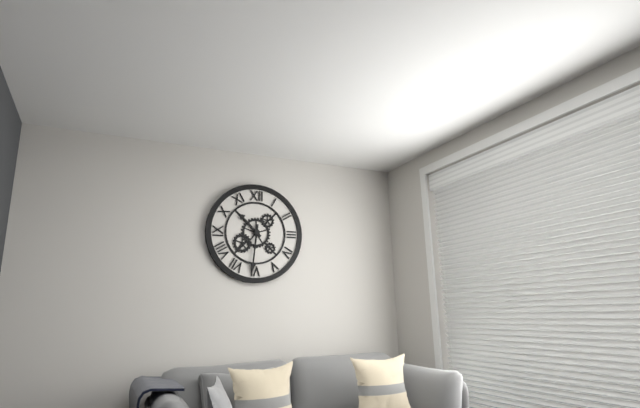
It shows 10.31
